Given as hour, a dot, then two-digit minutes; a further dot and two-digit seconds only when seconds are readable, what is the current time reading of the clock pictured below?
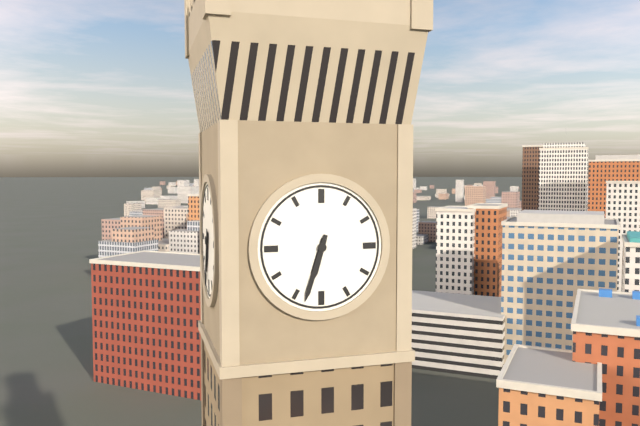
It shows 6.33
